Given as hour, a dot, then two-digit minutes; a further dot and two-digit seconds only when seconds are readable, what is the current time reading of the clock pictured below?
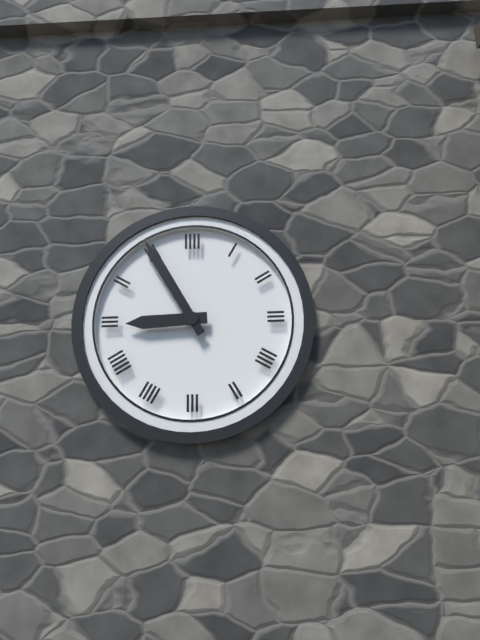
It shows 8.55
